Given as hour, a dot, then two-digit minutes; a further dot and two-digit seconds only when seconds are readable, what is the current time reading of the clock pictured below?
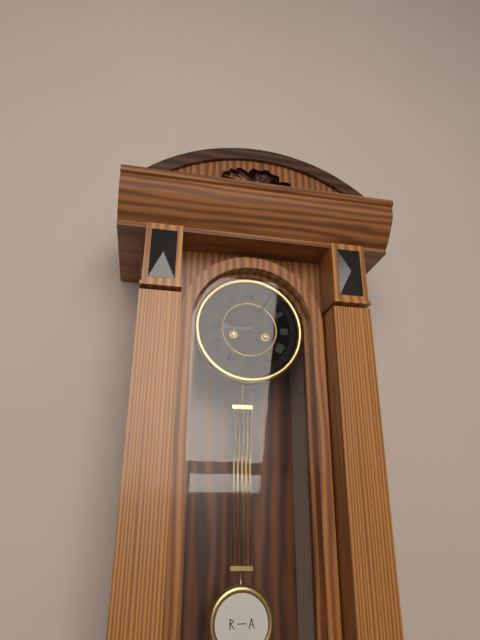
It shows 9.05
